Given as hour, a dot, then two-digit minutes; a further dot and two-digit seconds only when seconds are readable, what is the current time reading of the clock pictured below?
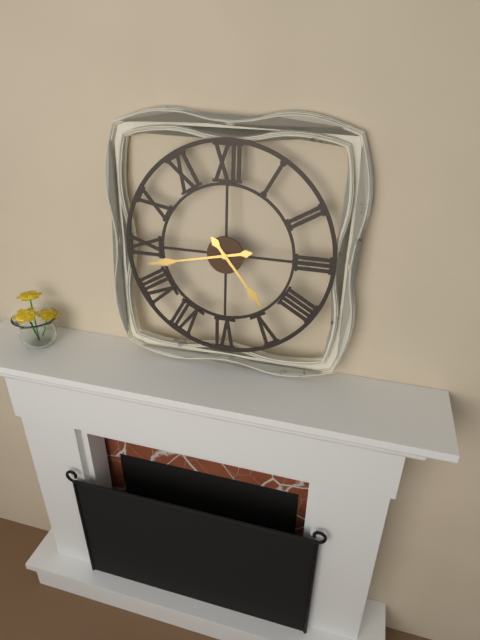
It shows 4.43
